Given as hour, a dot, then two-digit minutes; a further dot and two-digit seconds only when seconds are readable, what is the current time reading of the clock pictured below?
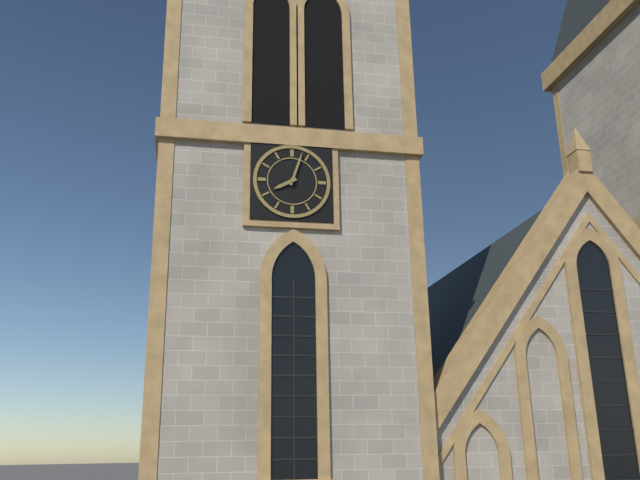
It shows 8.03
